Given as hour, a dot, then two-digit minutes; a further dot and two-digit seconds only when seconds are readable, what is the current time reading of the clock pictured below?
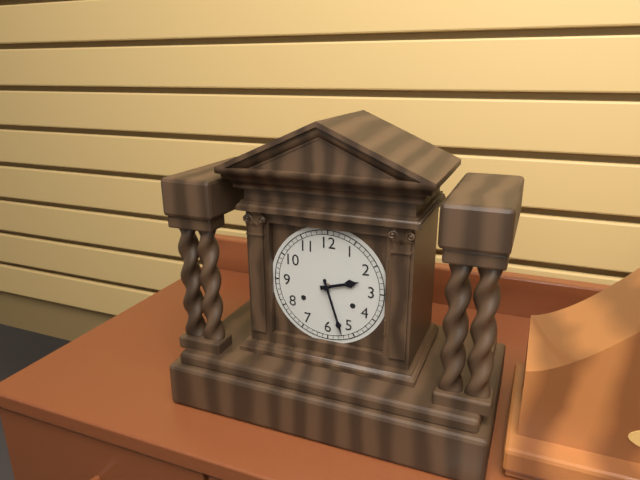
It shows 2.27
